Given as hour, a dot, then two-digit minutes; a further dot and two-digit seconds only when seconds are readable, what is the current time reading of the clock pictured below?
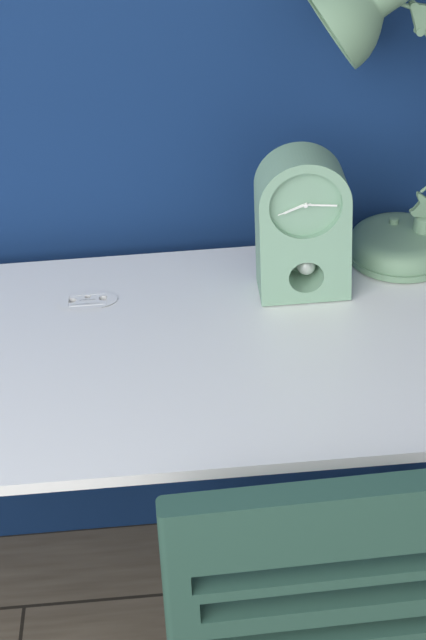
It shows 8.16
